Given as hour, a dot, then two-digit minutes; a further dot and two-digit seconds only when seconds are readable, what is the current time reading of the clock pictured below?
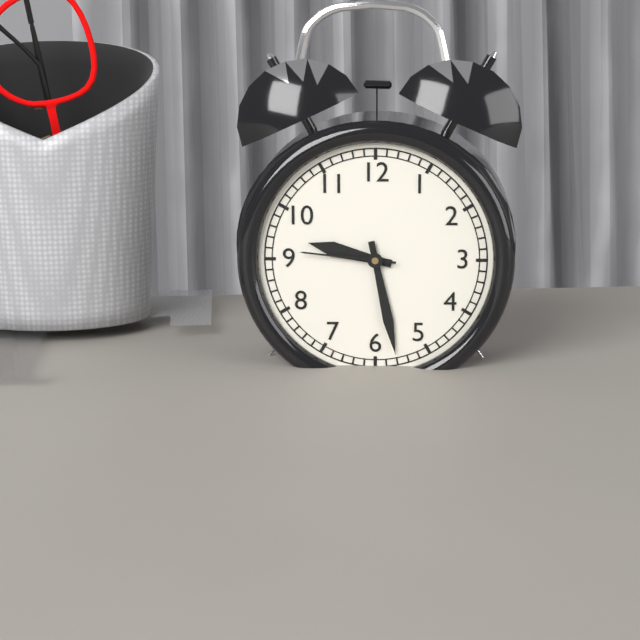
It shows 9.28.46
